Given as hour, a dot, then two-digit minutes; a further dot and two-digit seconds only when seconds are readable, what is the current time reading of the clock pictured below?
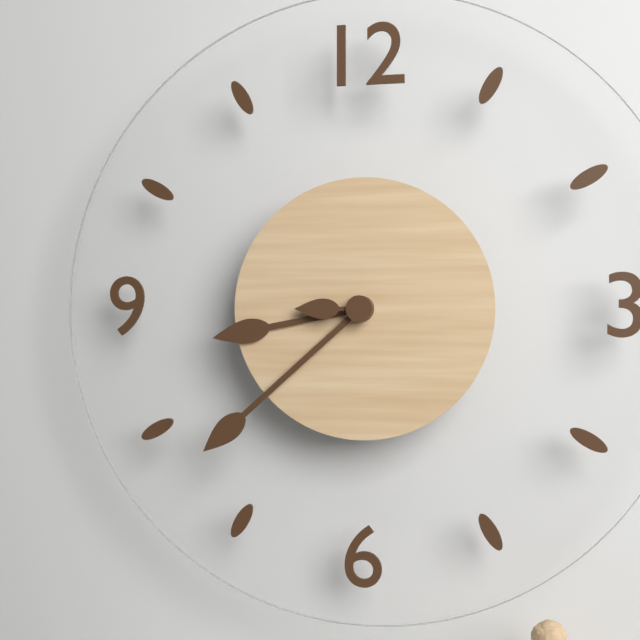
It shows 8.38.45
